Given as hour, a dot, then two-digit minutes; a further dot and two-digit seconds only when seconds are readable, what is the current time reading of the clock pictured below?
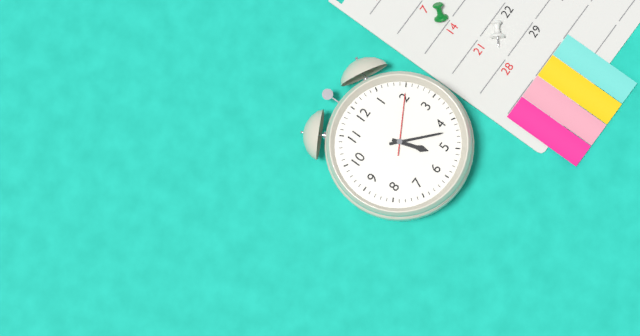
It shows 5.22.10
